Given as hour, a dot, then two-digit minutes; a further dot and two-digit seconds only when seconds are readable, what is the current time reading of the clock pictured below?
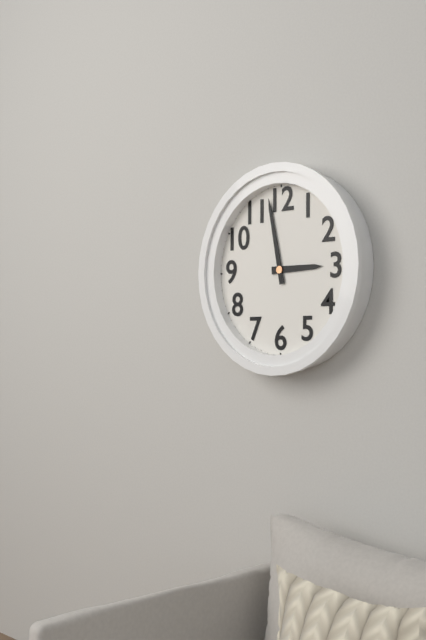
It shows 2.58
